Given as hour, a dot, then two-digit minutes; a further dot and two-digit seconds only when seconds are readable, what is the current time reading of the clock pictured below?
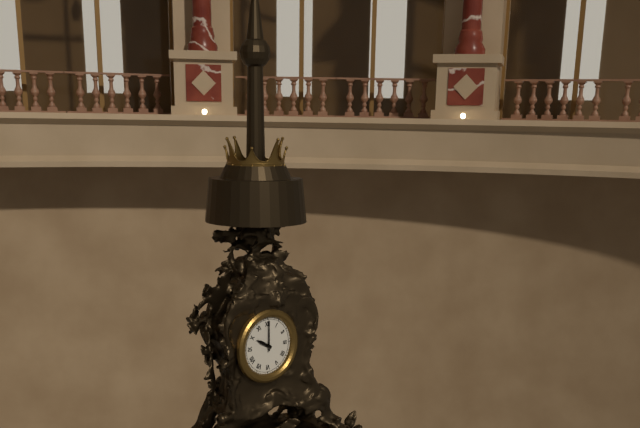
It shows 10.00
